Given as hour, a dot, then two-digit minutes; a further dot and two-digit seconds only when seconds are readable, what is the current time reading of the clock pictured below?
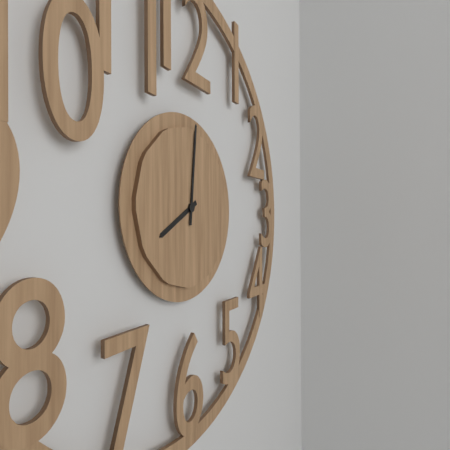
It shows 8.01
